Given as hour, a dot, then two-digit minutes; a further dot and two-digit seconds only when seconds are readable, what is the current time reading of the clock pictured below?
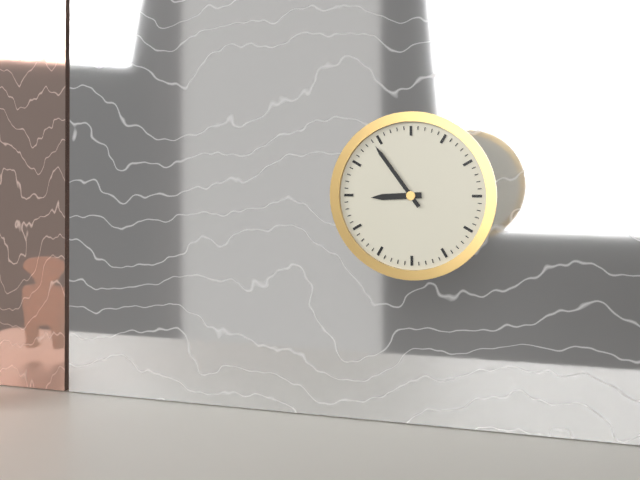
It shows 8.54
